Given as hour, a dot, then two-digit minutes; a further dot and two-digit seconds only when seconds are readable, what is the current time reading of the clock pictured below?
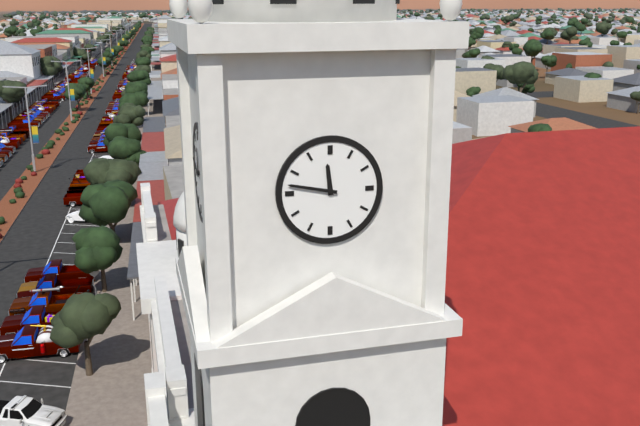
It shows 11.47
